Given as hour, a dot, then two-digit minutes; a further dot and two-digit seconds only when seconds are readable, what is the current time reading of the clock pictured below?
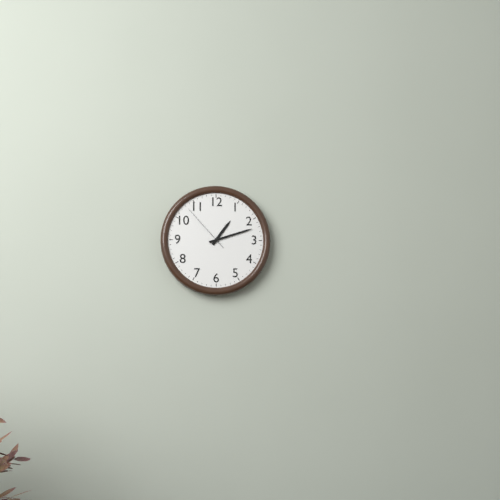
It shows 1.12.53
